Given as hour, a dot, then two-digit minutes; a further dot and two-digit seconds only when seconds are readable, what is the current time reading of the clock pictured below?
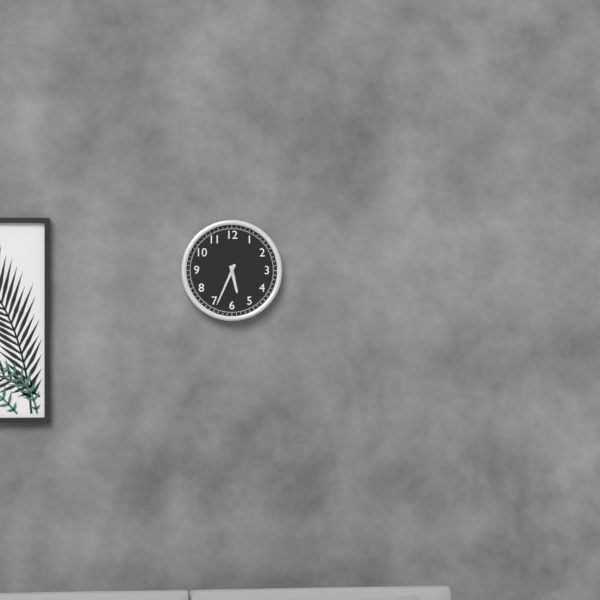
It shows 5.34
